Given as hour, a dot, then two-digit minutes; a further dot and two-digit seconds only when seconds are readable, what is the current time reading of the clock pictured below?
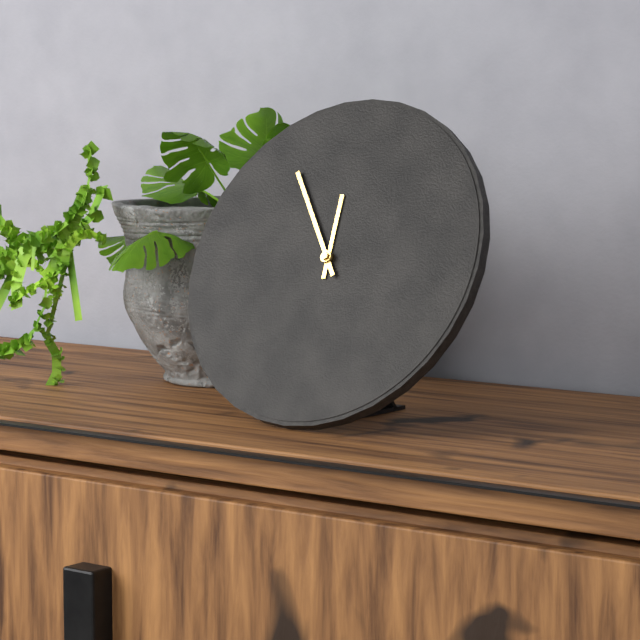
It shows 11.54
